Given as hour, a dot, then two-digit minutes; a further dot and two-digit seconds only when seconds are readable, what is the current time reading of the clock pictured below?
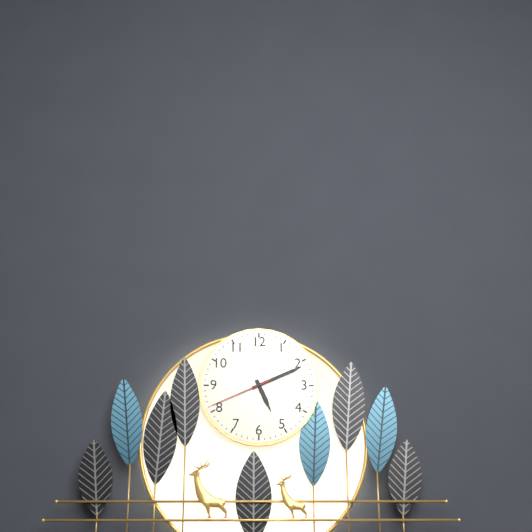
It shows 5.11.41
